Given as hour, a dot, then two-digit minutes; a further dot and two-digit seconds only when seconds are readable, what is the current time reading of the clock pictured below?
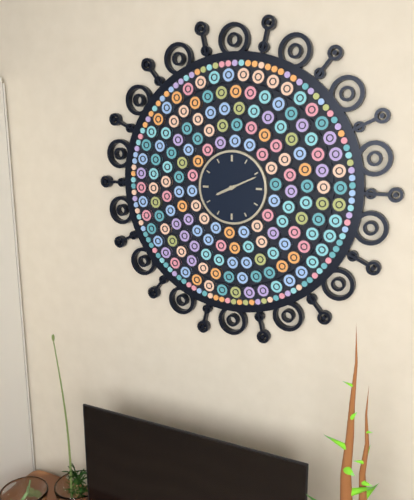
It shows 8.11
